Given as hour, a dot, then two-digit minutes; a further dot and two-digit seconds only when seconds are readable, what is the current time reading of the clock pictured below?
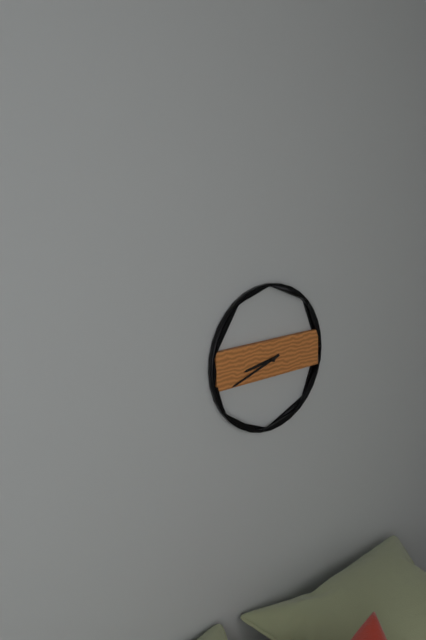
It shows 8.42
